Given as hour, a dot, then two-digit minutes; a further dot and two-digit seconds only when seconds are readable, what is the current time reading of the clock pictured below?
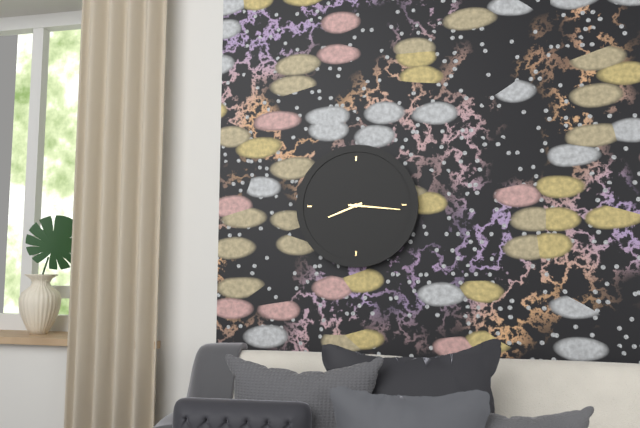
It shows 8.16
